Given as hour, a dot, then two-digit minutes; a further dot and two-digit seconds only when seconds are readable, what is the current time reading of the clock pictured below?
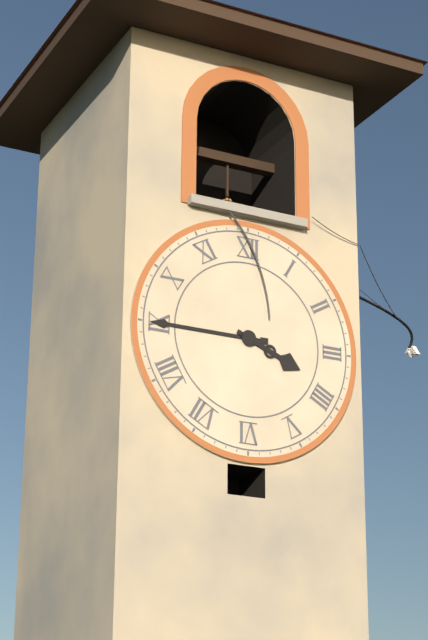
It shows 3.45
